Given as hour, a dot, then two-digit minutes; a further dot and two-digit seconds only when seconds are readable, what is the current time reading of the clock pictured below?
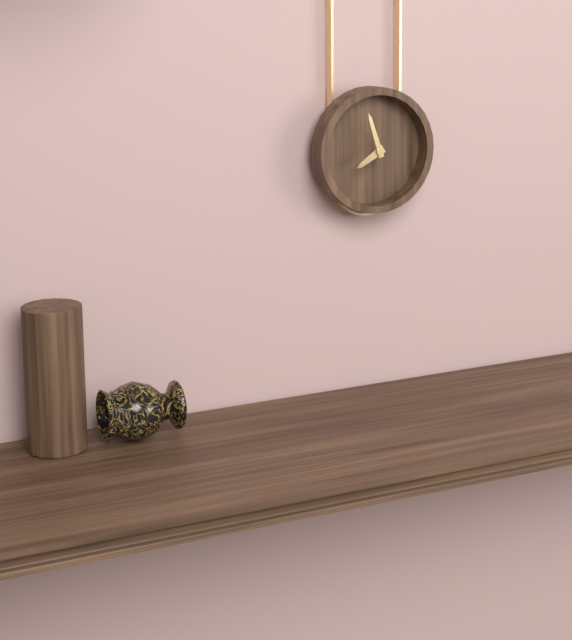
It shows 7.57
